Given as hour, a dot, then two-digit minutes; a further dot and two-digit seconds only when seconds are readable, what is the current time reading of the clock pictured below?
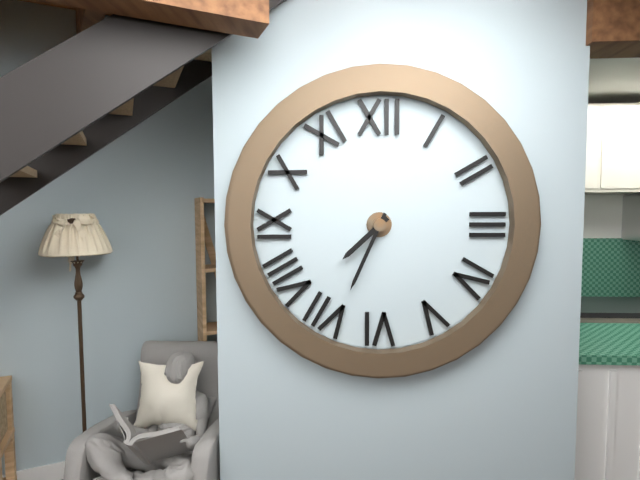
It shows 7.34
